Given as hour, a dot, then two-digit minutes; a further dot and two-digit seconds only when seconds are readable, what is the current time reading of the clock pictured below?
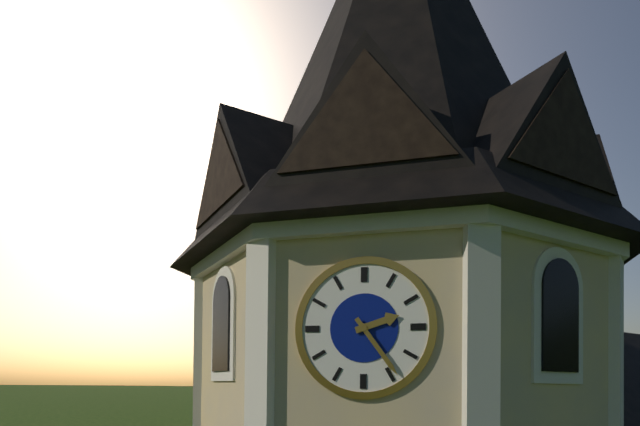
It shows 2.24
